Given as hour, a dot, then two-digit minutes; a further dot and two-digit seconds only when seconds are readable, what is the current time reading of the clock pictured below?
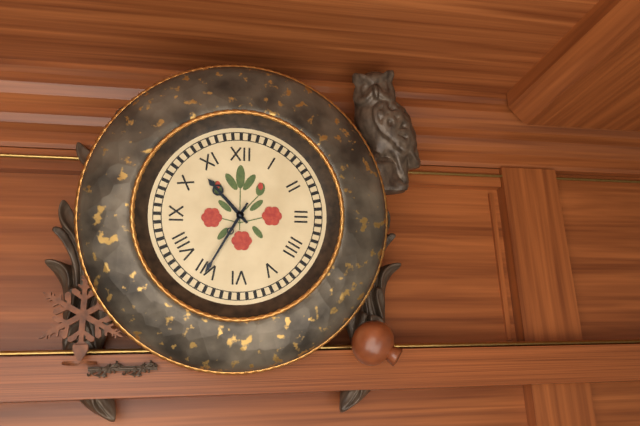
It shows 10.35
